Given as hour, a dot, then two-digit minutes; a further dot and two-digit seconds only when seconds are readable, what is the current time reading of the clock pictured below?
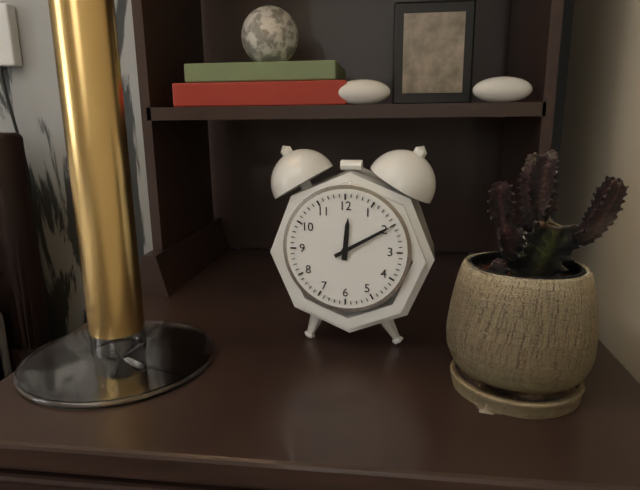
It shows 12.10
